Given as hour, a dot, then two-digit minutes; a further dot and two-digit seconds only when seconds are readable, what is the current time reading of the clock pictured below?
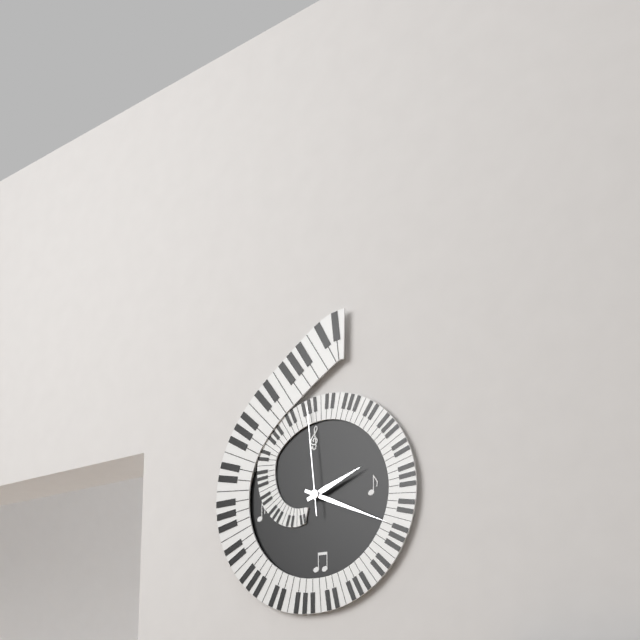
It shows 2.19.59
